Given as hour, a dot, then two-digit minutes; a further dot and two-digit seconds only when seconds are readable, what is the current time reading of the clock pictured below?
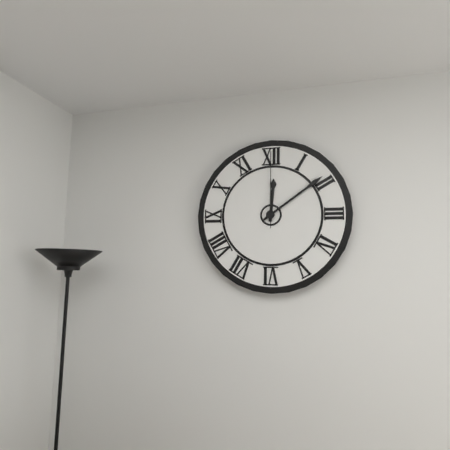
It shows 12.09.00
